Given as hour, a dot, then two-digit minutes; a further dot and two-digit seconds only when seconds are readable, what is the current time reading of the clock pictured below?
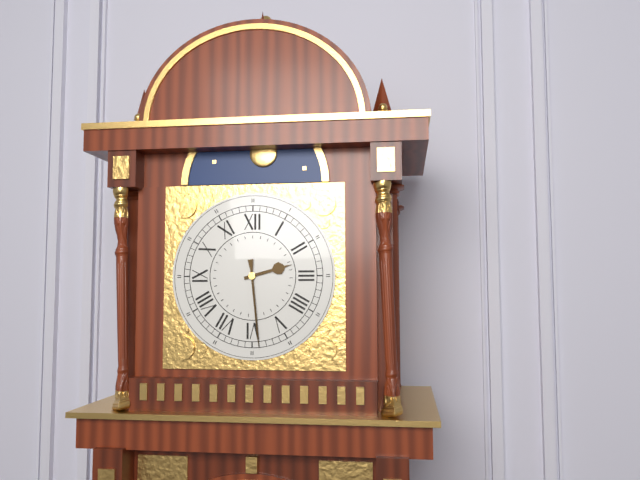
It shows 2.29
